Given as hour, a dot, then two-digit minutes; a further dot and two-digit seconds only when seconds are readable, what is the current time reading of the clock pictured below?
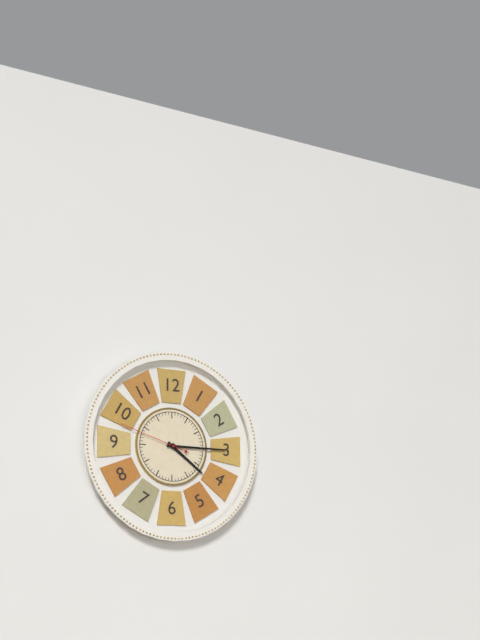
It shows 4.15.48
